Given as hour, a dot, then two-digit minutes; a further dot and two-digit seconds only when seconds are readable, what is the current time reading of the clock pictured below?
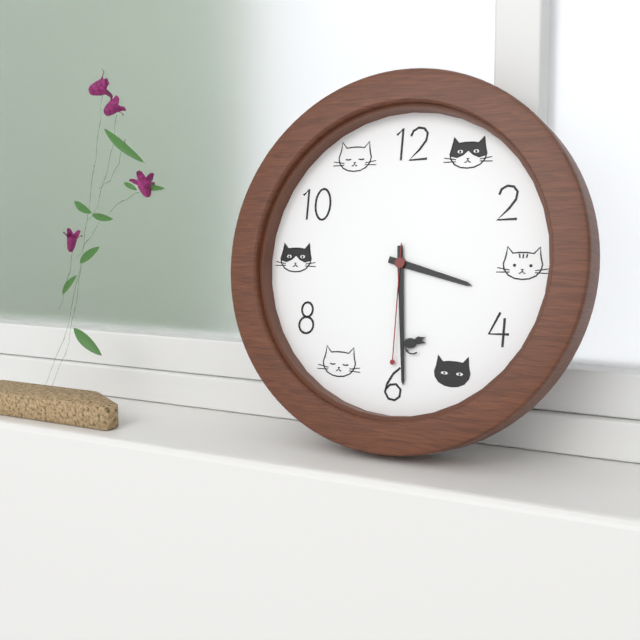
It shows 3.29.30
